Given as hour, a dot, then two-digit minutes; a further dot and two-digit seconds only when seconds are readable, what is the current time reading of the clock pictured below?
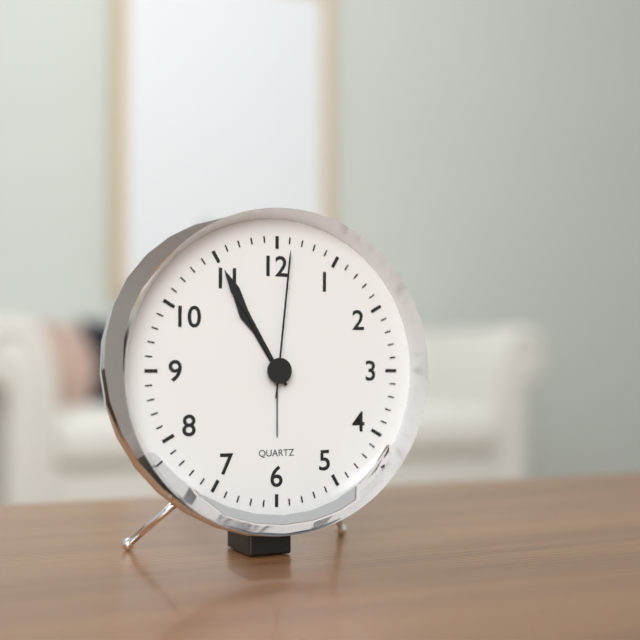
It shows 10.55.01
